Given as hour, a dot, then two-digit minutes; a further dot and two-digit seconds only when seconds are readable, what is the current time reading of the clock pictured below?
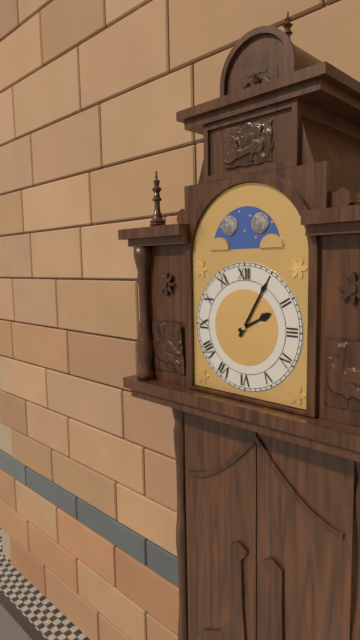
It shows 2.05
